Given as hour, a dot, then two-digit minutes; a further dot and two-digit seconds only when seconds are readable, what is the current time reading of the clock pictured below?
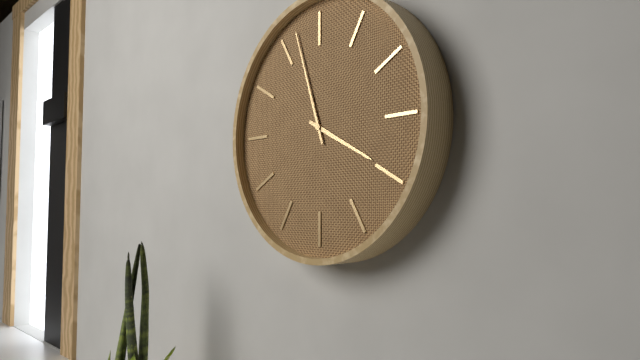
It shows 3.57
